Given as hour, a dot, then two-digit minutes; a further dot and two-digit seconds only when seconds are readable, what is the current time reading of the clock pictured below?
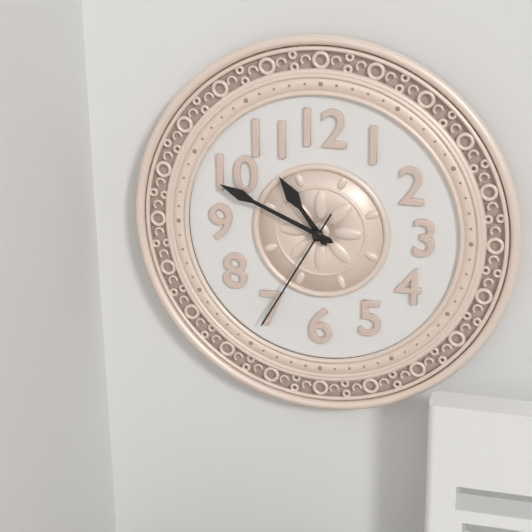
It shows 10.49.35
